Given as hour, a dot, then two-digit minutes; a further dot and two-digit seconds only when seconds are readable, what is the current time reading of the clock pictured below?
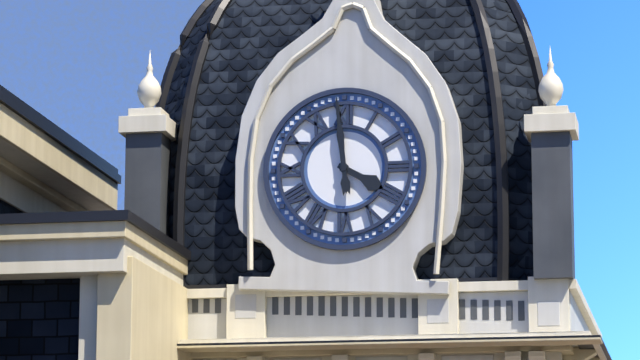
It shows 3.59
